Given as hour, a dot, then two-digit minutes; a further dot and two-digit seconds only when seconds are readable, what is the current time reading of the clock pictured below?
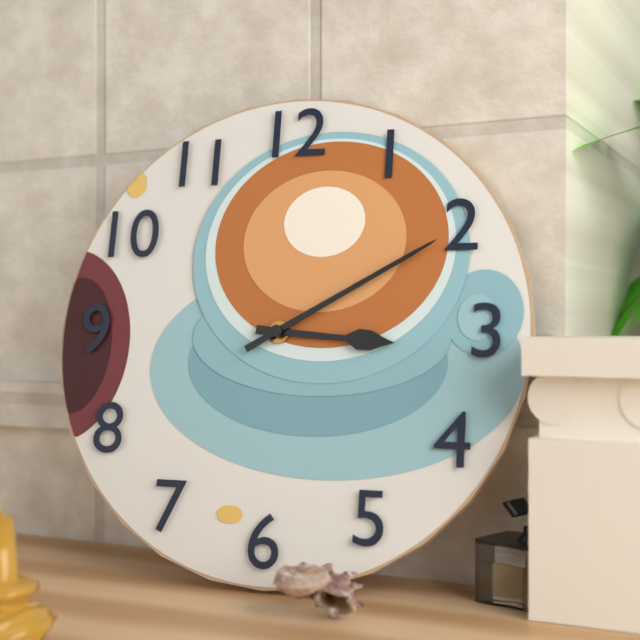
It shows 3.10
